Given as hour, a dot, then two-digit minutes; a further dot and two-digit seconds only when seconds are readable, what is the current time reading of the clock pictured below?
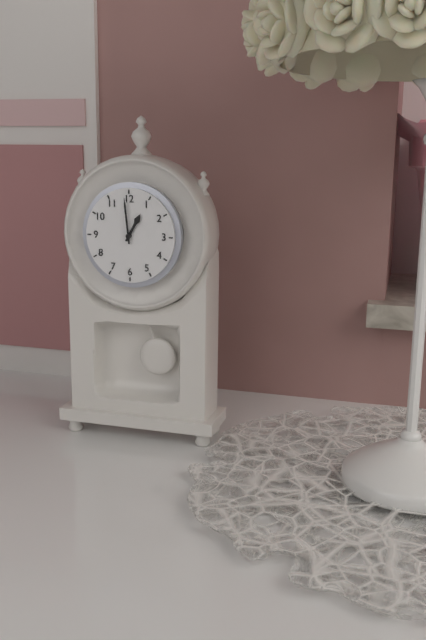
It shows 12.59
